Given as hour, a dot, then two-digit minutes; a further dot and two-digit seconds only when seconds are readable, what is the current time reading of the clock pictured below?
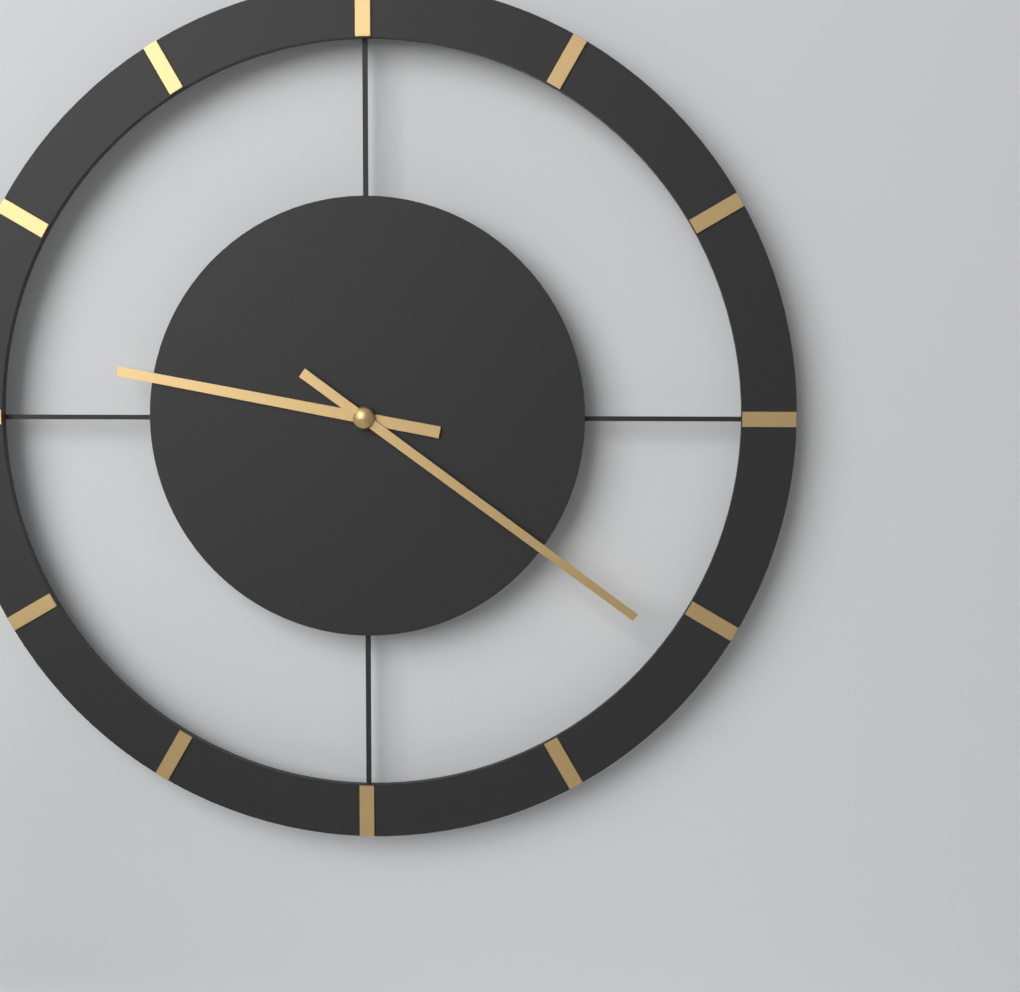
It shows 9.21
